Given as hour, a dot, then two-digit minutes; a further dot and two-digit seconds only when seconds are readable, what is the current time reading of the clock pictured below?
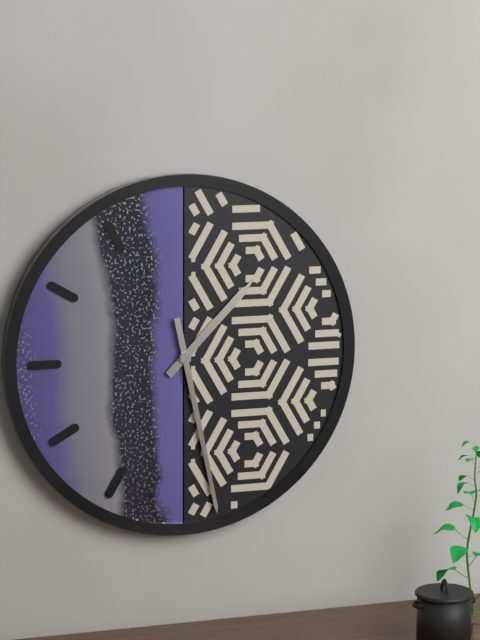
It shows 1.28
